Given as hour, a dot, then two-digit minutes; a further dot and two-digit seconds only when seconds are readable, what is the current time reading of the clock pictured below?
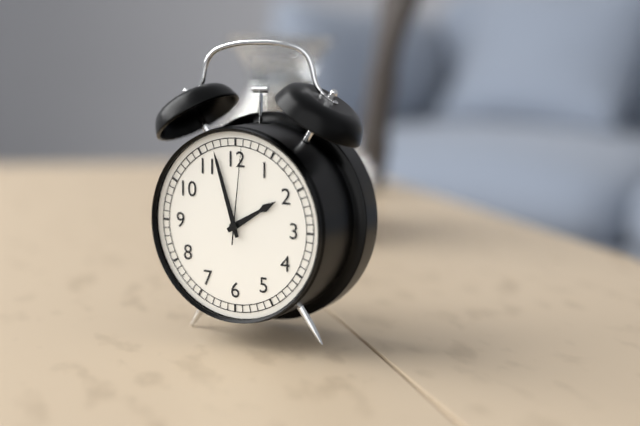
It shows 1.57.01
